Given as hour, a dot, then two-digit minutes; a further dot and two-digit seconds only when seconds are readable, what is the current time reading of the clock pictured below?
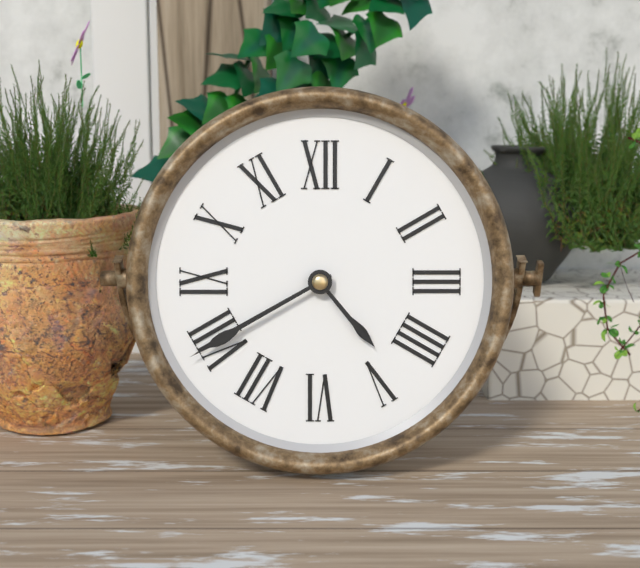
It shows 4.40
